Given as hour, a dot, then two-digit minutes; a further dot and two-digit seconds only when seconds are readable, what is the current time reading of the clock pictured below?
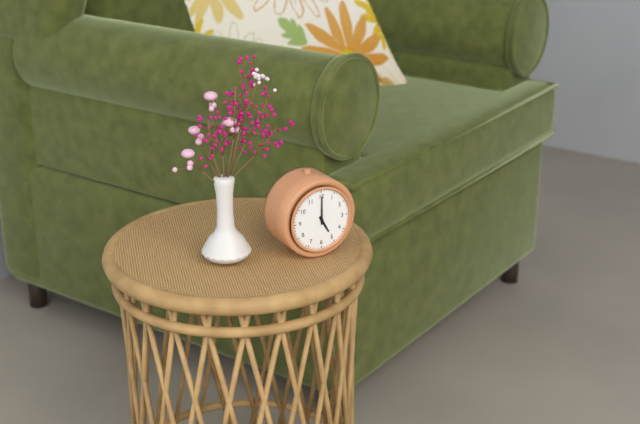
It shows 5.00
